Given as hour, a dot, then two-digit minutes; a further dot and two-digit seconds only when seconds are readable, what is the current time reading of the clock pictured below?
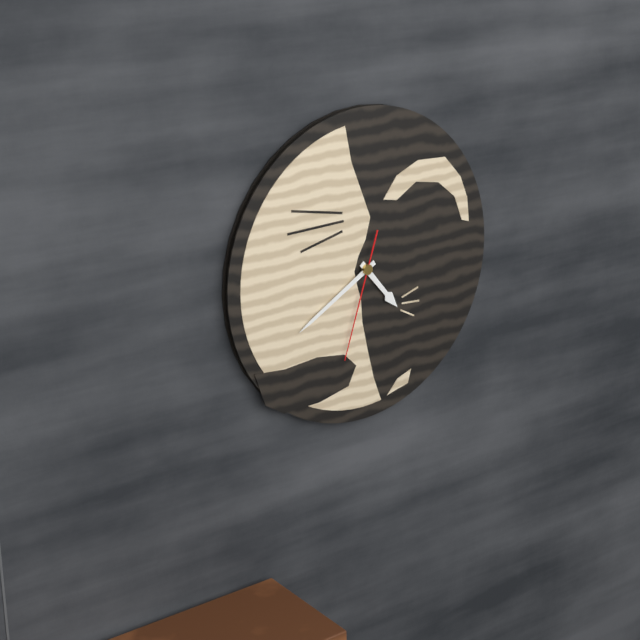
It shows 4.40.33
